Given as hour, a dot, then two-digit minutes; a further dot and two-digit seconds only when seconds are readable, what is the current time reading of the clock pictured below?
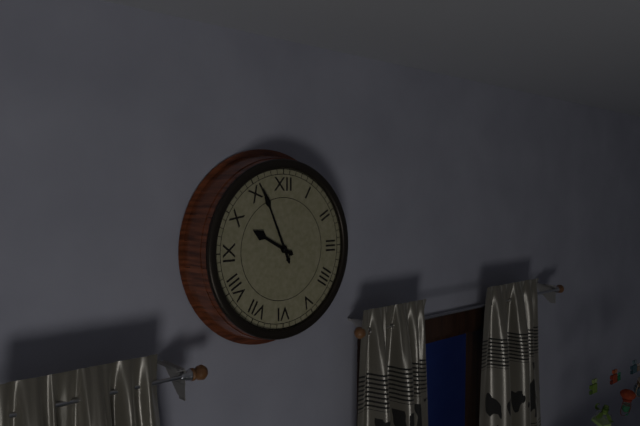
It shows 9.56
